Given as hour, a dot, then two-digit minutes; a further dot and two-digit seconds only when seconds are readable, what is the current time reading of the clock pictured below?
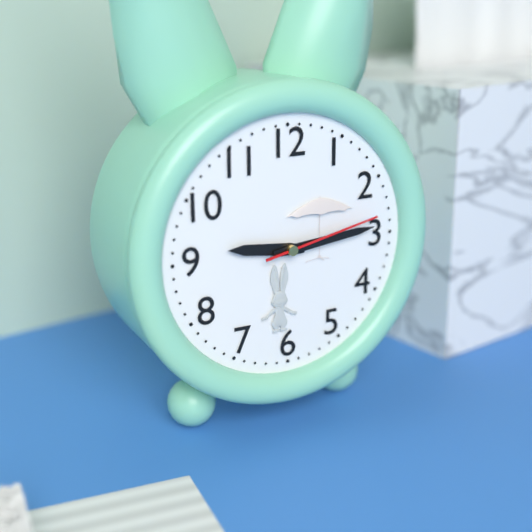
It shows 9.14.13
